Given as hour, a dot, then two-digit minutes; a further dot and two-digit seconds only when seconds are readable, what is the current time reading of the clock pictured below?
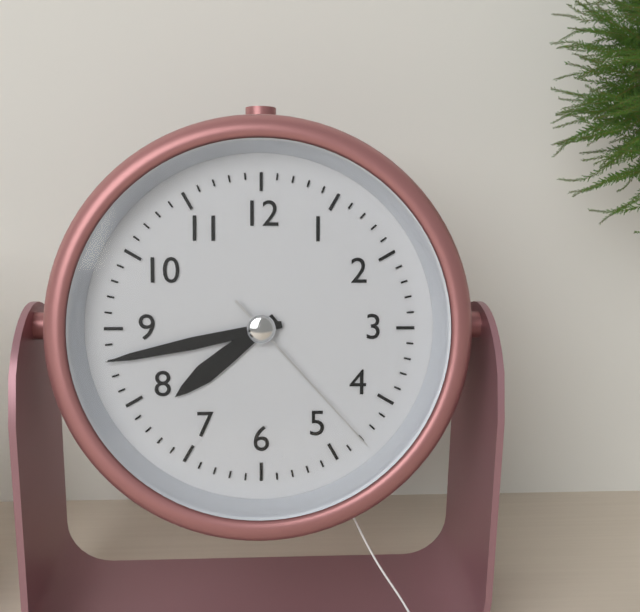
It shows 7.43.23
